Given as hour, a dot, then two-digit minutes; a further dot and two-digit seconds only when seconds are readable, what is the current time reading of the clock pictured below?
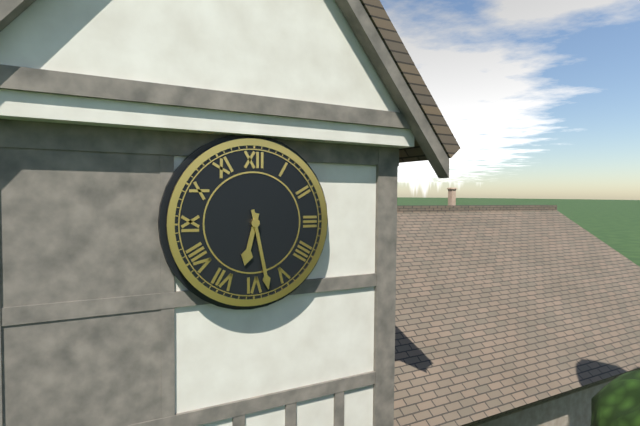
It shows 6.28
